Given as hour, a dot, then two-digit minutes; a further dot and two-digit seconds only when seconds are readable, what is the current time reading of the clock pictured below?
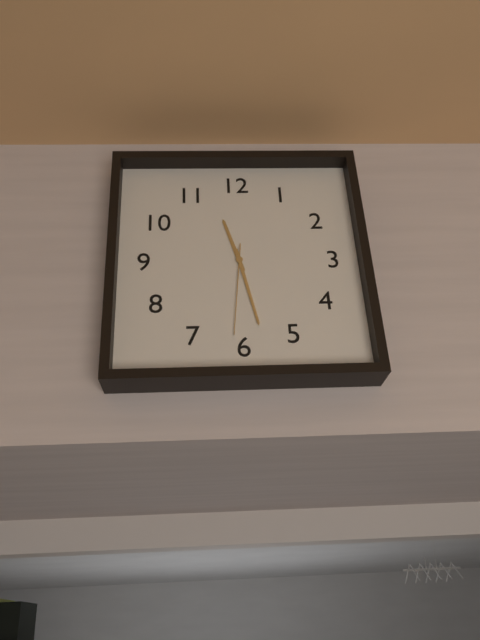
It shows 11.28.31
